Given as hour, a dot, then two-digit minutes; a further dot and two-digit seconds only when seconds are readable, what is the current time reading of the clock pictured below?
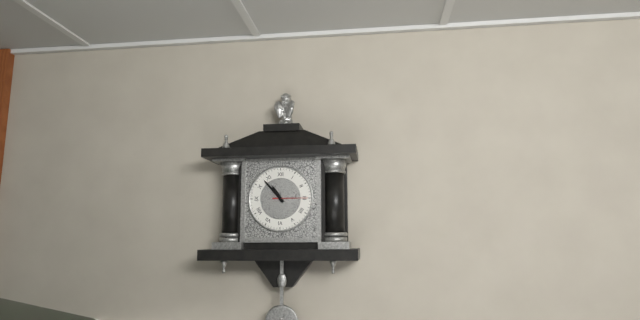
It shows 10.53
